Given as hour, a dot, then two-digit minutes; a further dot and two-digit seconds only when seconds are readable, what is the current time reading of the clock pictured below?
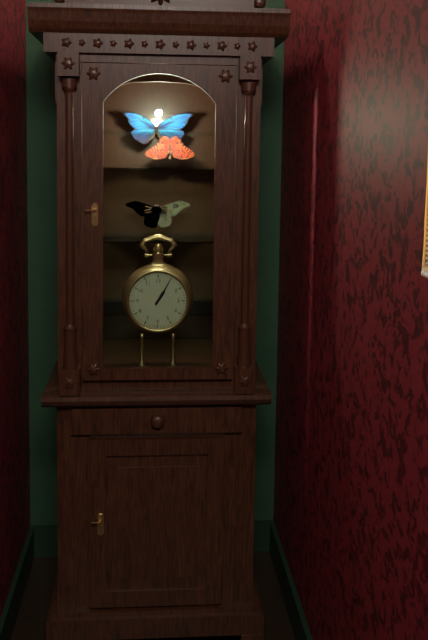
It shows 1.05
